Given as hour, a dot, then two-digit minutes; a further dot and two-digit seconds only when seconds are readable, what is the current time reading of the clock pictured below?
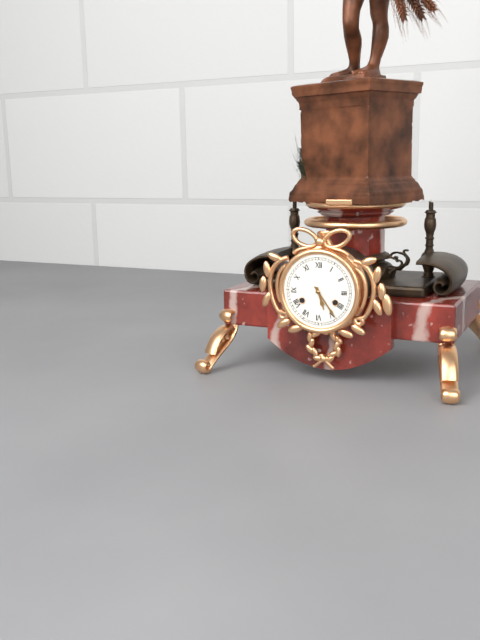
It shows 5.24
